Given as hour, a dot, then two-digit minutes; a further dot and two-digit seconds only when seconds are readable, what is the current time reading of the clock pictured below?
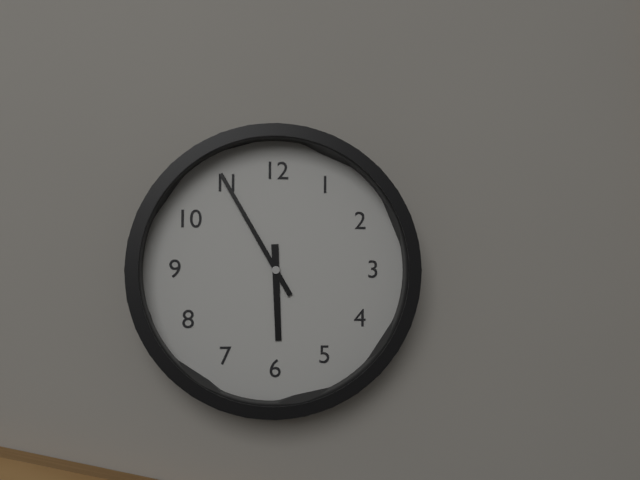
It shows 5.55
